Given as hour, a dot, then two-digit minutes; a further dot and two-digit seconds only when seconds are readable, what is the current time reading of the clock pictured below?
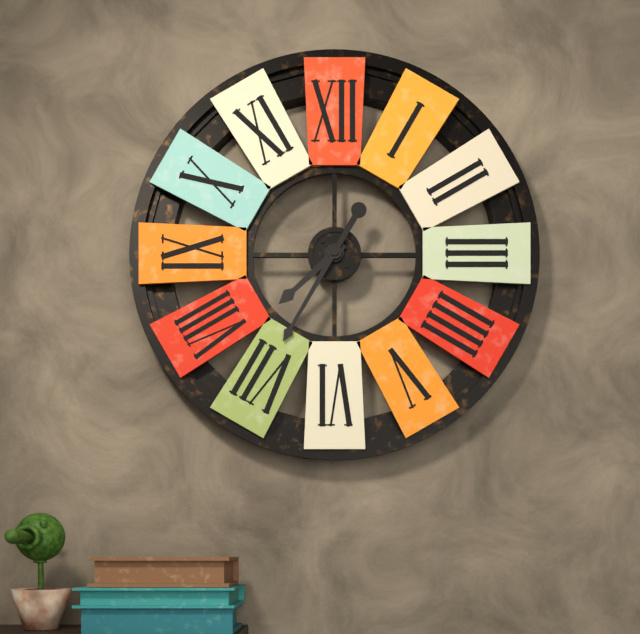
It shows 7.35
